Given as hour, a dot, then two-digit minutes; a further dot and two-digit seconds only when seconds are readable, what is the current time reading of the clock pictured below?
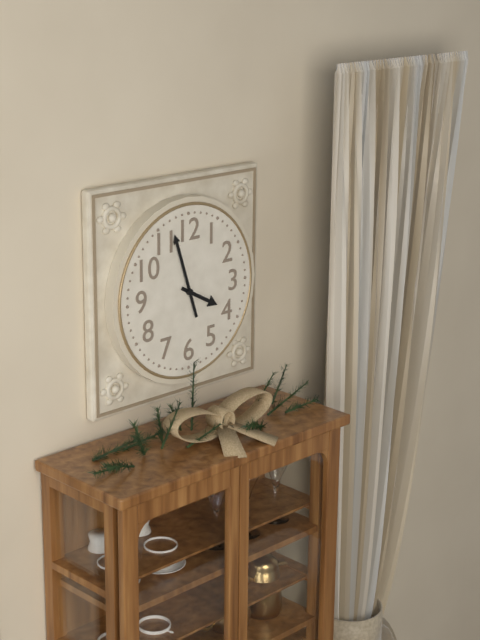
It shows 3.57
